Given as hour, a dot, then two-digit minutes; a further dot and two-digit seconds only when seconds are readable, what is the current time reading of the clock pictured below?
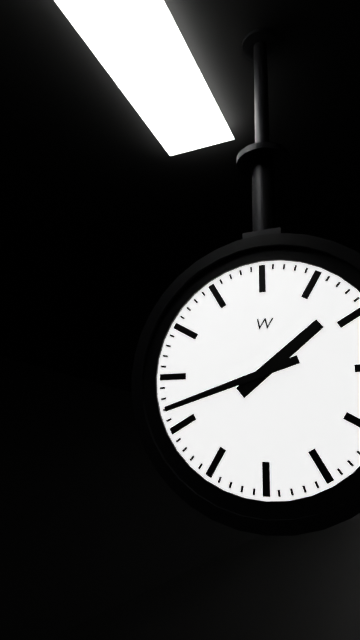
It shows 1.42
